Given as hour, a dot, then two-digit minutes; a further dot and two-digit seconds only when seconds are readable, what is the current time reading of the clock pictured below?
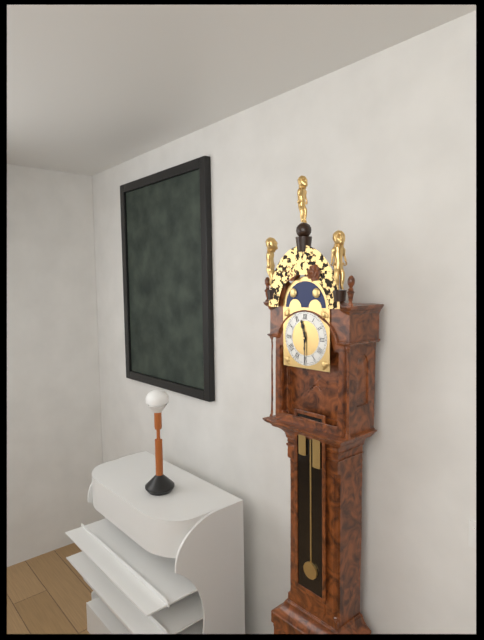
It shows 11.30
